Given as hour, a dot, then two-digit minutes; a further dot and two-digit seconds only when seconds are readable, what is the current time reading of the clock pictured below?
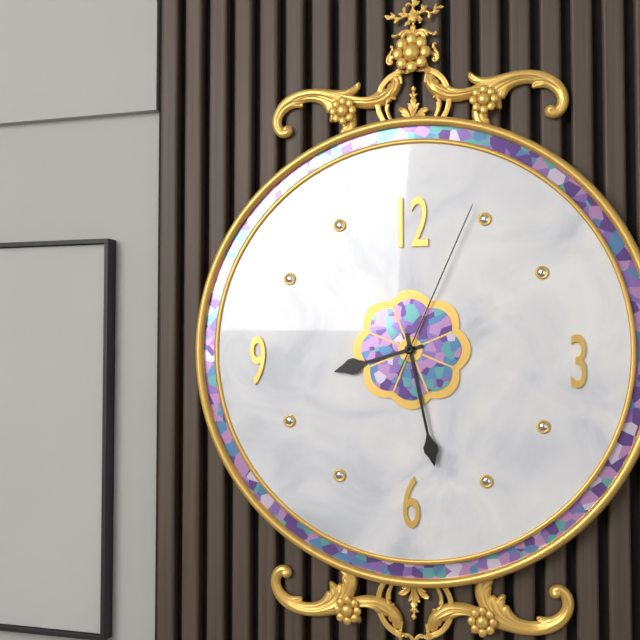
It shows 8.28.04
